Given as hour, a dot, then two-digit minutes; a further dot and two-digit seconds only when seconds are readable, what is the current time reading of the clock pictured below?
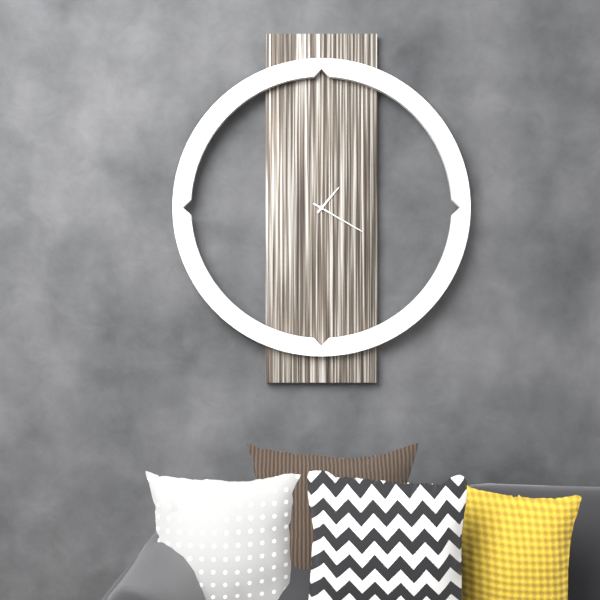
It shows 1.20
